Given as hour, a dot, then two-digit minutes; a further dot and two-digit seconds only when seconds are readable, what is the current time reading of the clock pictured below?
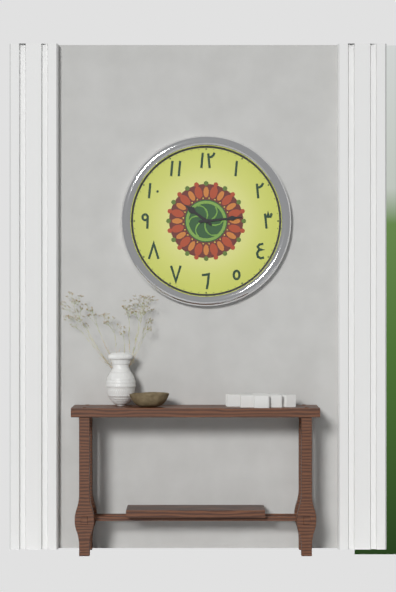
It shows 10.14
